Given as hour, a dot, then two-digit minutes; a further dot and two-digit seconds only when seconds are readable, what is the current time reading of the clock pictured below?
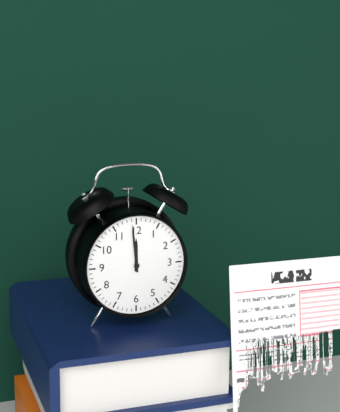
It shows 11.59
